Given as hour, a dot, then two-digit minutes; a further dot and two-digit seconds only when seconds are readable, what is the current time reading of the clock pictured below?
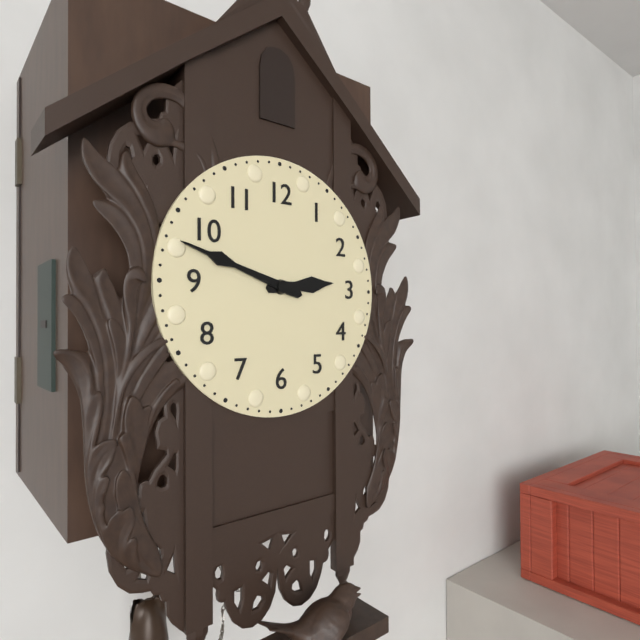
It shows 2.48
